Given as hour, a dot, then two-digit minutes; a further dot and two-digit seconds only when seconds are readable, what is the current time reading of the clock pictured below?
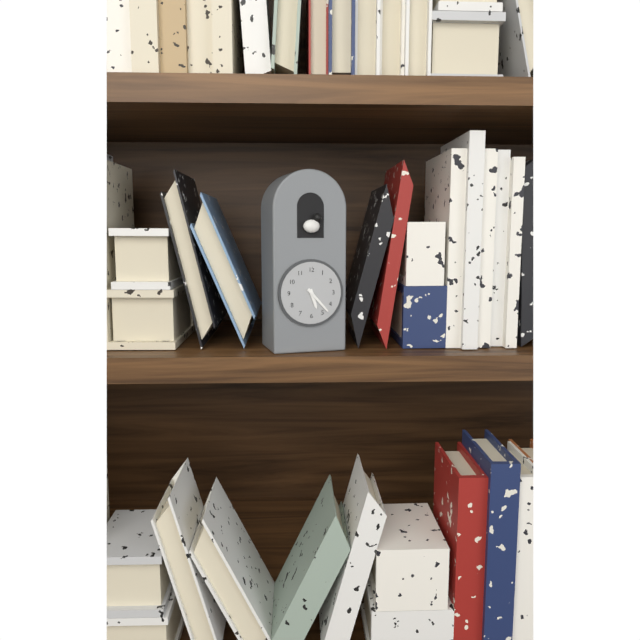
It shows 5.23
